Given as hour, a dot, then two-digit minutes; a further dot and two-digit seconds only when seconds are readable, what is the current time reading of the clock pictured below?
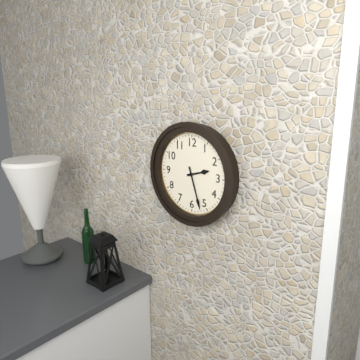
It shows 2.27
